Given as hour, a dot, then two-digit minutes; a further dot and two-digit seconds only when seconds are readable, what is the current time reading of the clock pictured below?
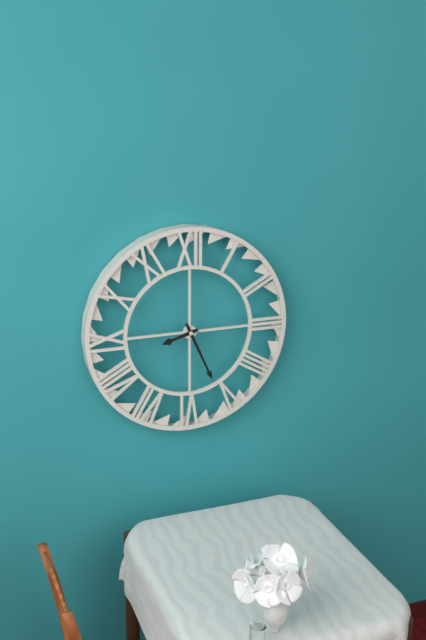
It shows 8.26
